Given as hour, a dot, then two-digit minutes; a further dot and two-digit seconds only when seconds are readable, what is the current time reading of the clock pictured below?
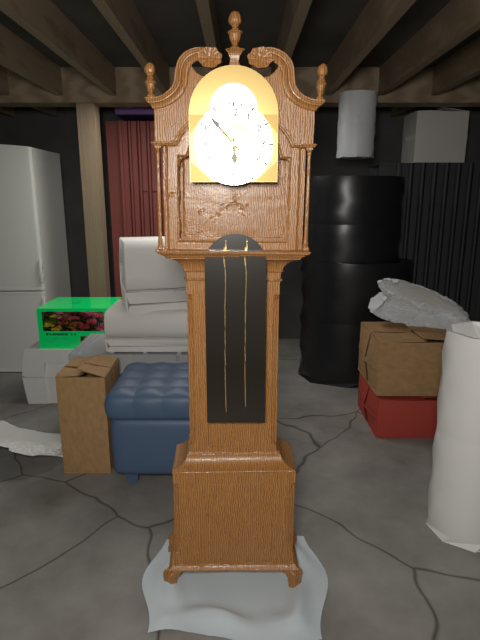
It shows 5.53
